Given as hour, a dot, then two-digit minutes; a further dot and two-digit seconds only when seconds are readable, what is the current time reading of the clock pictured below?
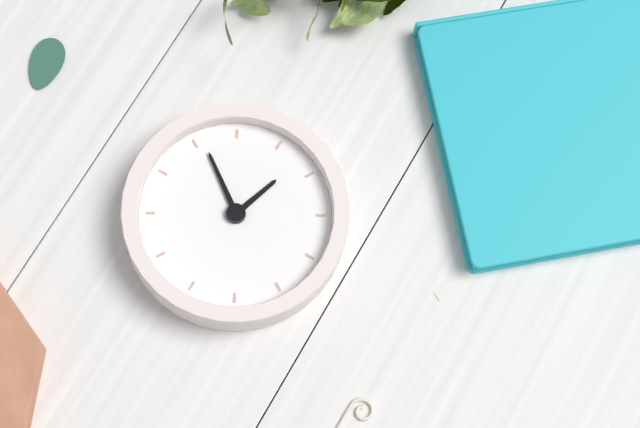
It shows 9.36
